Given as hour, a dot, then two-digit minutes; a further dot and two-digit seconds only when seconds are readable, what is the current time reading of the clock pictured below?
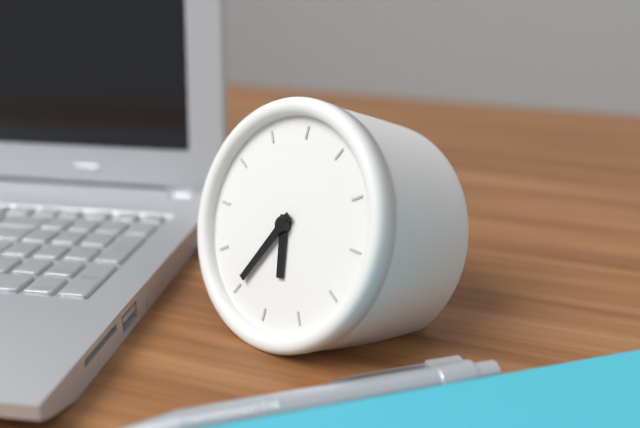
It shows 5.35
